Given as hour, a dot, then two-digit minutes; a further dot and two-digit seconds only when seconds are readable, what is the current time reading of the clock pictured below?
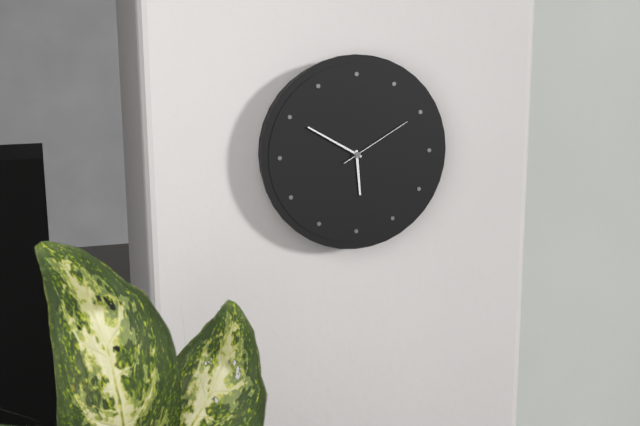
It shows 5.50.10
